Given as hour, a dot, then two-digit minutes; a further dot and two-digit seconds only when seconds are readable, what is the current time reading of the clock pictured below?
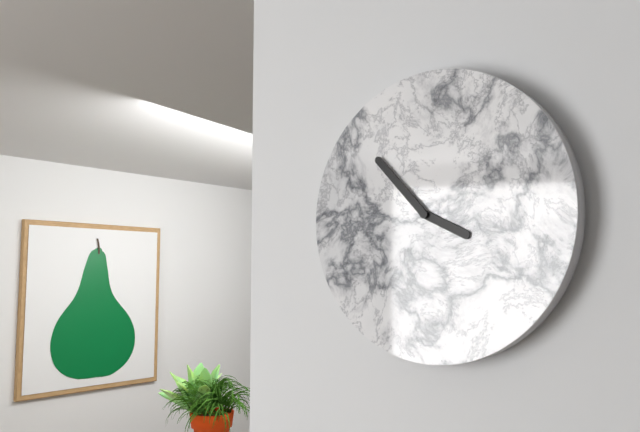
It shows 3.53
